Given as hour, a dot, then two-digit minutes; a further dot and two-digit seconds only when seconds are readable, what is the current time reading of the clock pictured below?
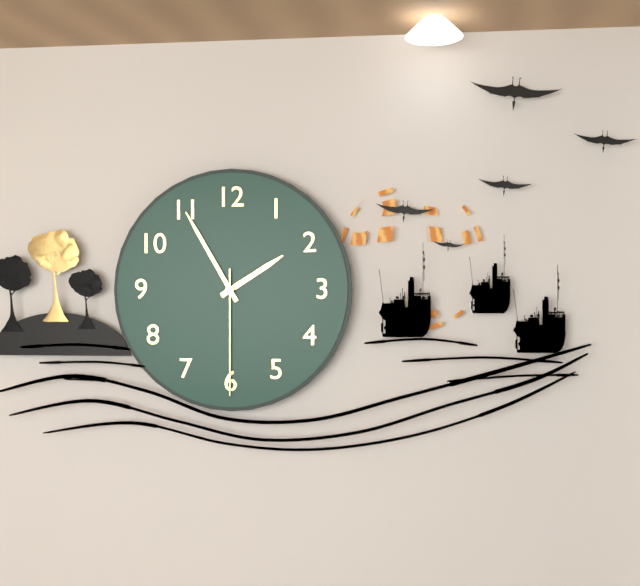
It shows 1.55.30
